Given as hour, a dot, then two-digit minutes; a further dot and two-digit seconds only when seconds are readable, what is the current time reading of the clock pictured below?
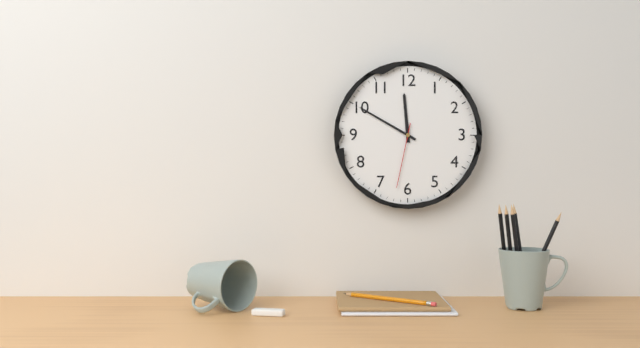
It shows 11.50.32
